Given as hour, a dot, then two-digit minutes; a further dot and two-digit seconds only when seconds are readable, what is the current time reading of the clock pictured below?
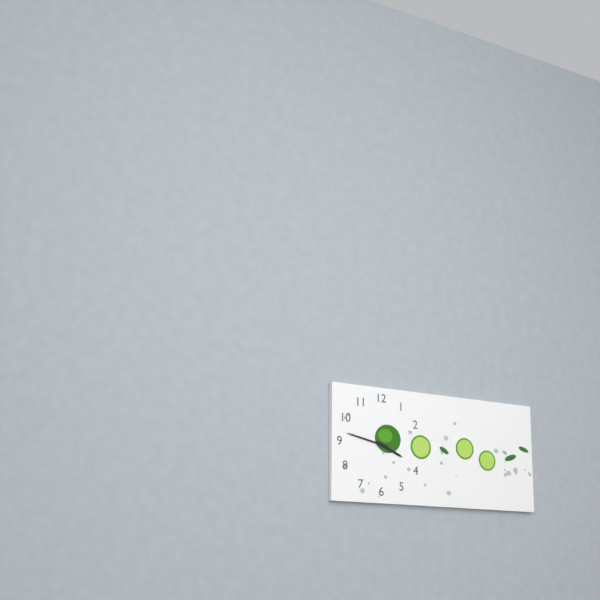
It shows 3.47
